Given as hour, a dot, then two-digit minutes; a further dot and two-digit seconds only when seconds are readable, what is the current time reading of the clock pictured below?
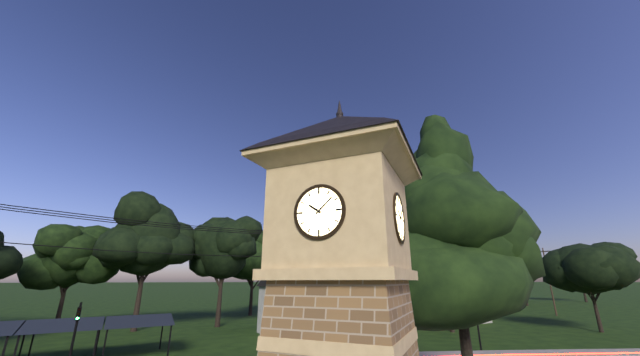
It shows 10.08
